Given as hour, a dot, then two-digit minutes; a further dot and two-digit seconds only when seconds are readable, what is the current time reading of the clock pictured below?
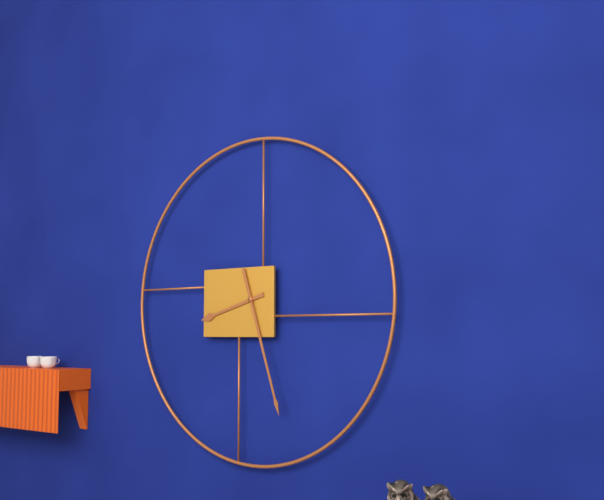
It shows 8.27
